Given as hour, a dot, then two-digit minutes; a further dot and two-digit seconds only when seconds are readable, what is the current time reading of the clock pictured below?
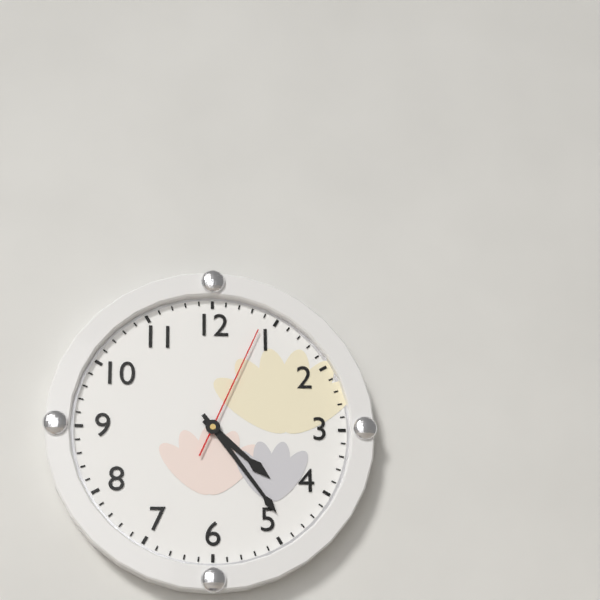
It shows 4.24.04
